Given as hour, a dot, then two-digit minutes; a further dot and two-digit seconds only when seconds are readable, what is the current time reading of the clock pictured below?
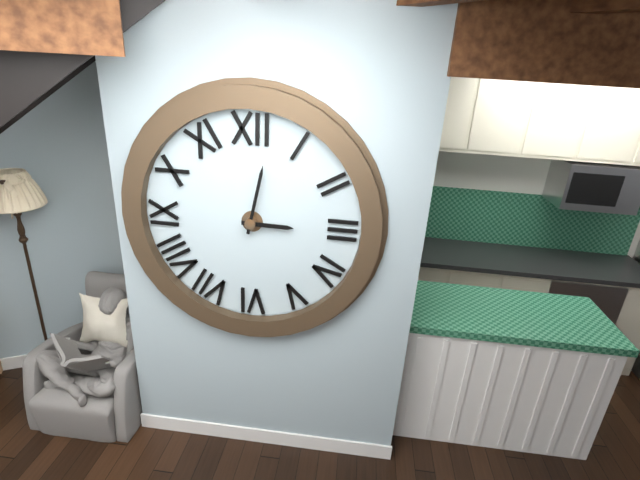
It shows 3.02
